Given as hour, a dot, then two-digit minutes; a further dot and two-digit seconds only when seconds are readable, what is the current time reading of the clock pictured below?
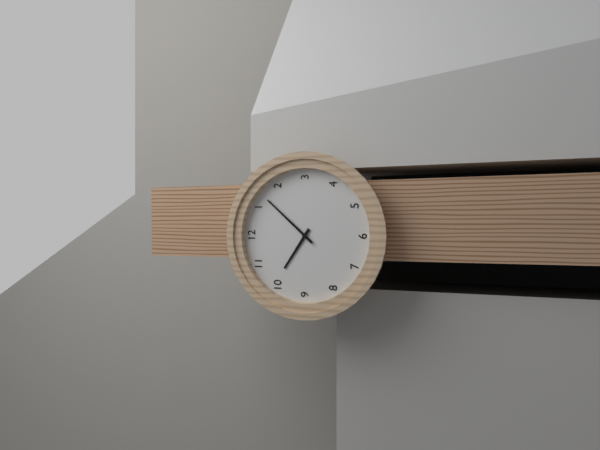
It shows 10.07
